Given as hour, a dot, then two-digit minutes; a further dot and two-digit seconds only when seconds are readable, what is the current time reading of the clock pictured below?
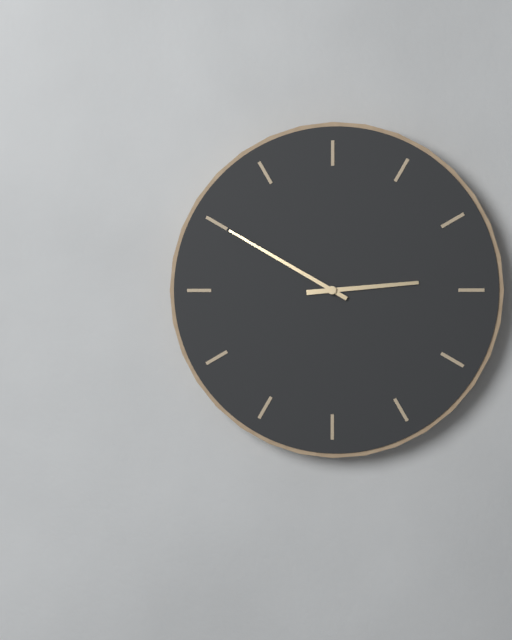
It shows 2.50
